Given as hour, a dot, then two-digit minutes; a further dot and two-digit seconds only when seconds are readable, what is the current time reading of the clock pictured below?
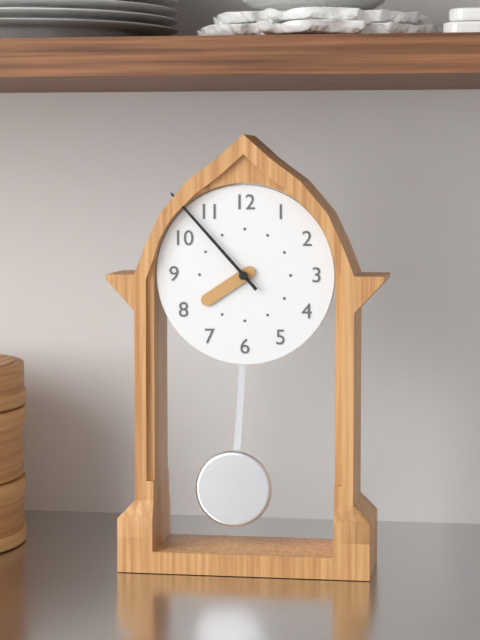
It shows 7.53
